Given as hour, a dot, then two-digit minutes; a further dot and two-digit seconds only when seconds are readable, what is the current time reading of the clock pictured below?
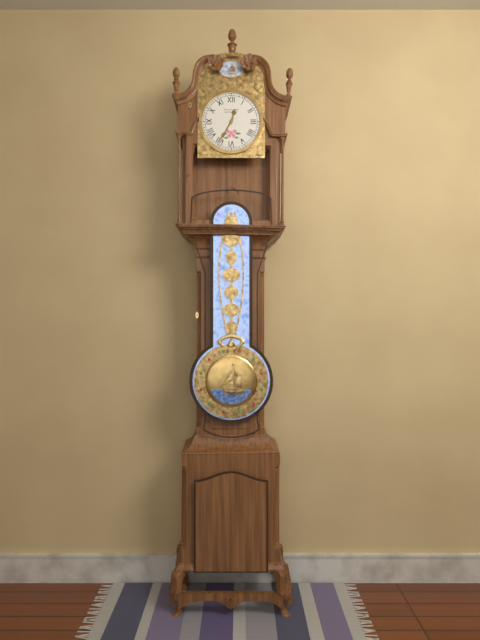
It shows 12.35
